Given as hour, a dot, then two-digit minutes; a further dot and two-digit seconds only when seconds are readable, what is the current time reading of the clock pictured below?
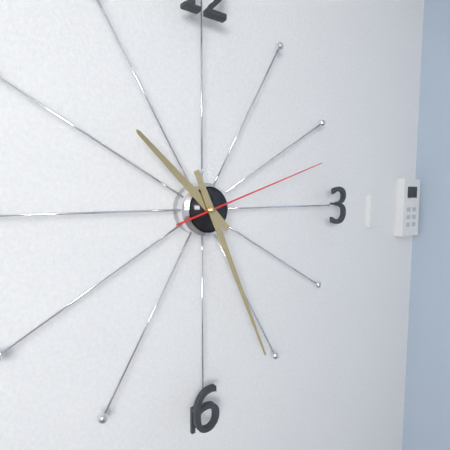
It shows 10.26.12
